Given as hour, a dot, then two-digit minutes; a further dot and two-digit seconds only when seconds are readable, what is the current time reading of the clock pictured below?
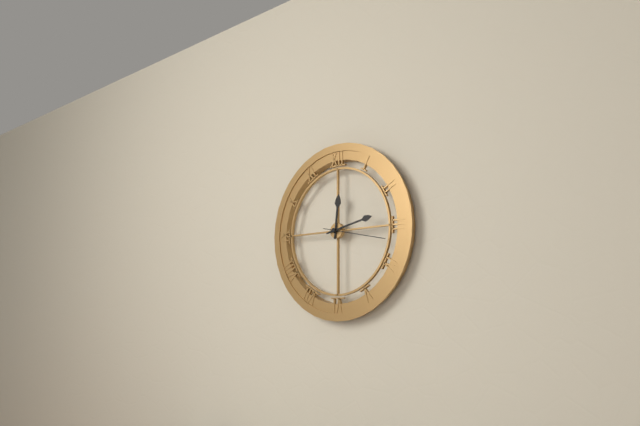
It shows 12.13.17
